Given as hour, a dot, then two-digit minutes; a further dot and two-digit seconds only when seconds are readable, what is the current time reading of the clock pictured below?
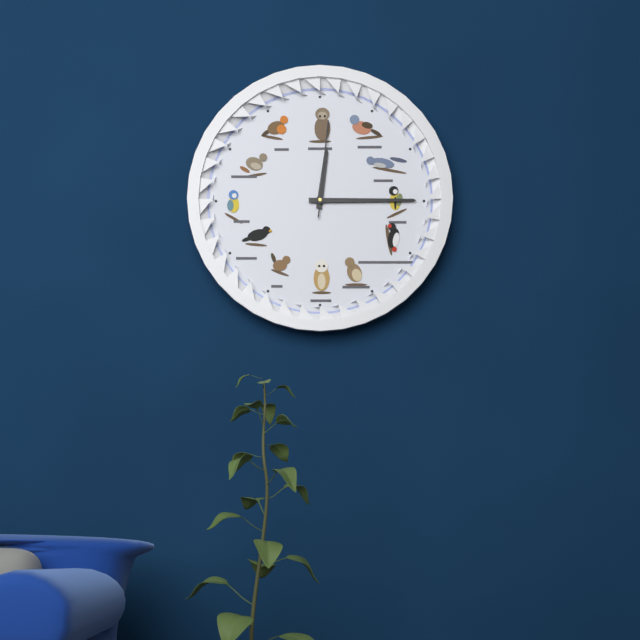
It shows 12.15.01
